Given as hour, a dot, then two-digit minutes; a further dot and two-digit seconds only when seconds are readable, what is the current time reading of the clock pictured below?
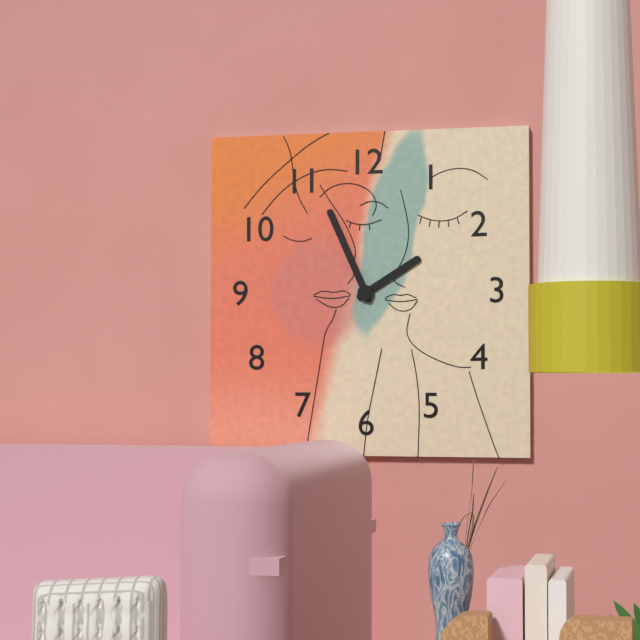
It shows 1.56
